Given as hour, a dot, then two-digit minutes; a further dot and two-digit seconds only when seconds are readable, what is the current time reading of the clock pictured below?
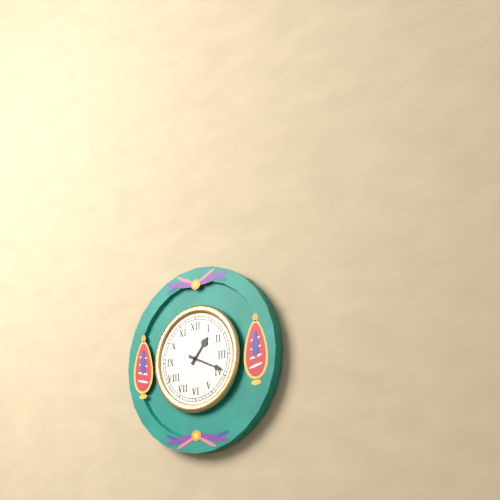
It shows 1.19
